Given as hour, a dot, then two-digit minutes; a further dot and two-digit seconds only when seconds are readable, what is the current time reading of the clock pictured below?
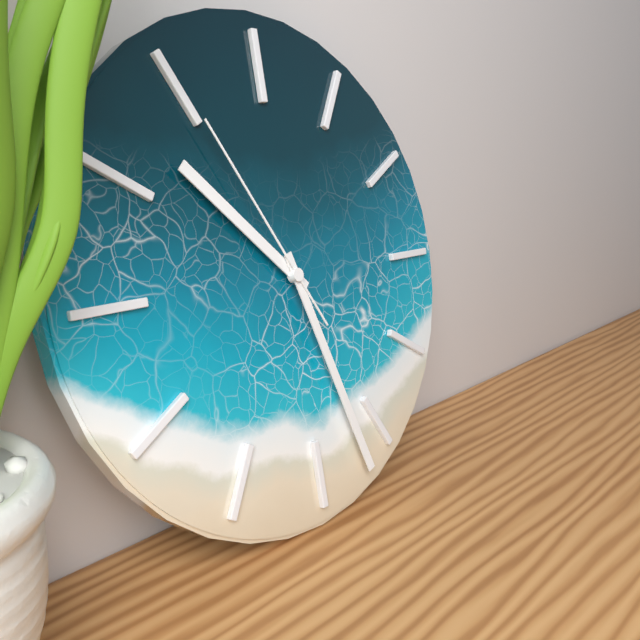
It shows 10.27.55
